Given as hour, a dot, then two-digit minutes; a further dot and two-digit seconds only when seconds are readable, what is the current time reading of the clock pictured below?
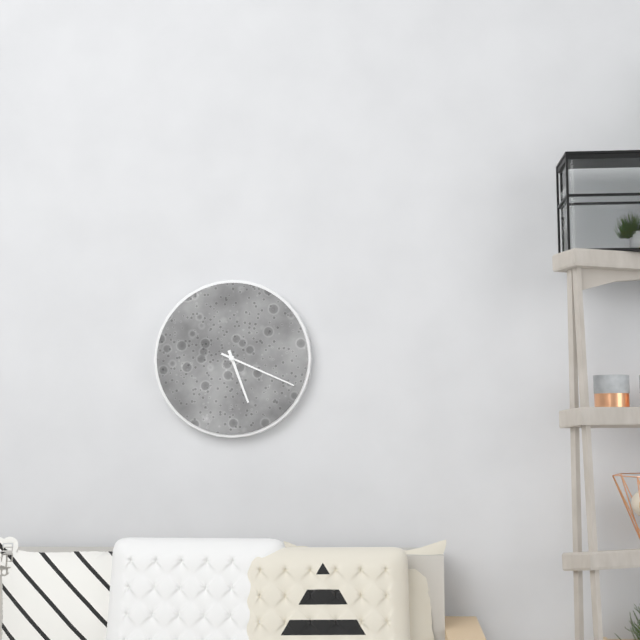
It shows 5.19
